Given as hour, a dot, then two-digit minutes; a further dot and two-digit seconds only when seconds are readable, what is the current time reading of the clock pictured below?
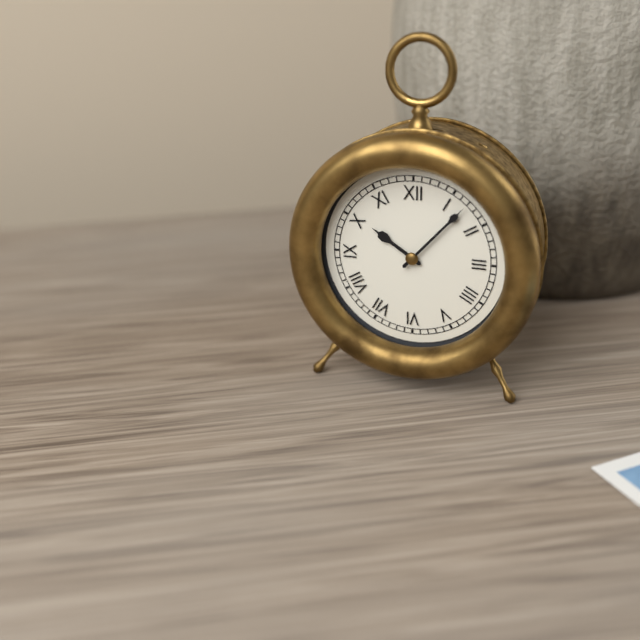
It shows 10.07
